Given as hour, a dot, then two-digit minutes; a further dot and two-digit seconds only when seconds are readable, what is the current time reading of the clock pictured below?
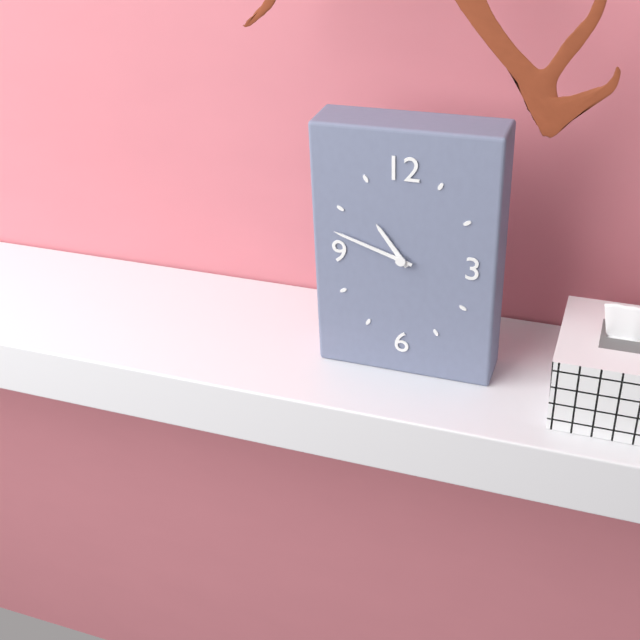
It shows 10.48
